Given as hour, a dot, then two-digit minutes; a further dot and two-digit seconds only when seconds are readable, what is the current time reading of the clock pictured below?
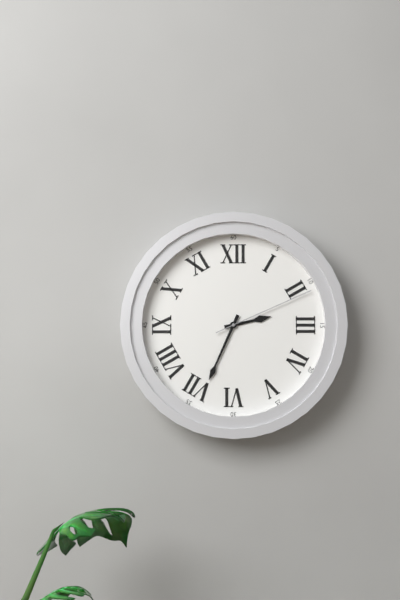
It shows 2.34.11
